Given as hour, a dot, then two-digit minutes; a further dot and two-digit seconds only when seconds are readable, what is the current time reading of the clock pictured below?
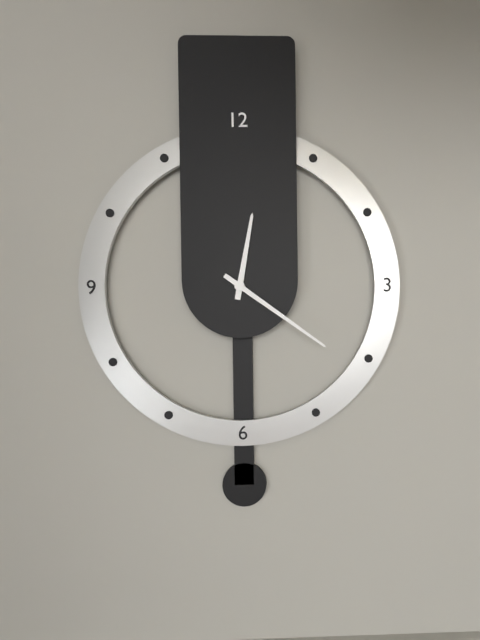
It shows 12.21
